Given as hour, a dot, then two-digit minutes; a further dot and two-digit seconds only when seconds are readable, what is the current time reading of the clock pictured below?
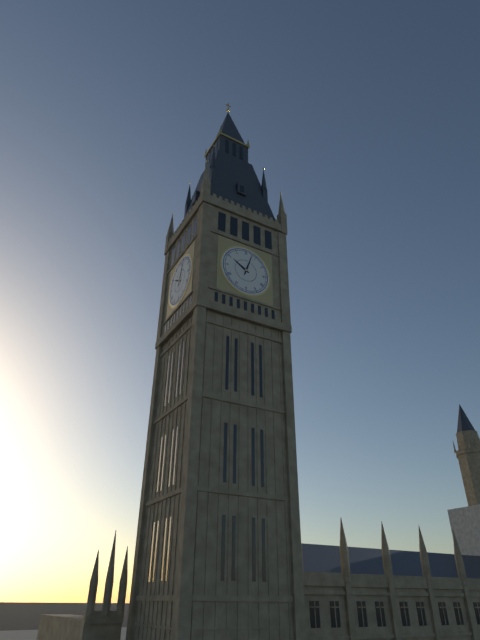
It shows 10.03
